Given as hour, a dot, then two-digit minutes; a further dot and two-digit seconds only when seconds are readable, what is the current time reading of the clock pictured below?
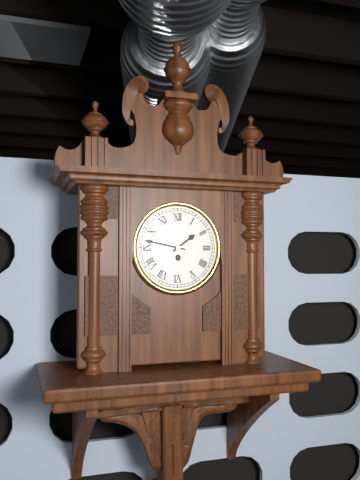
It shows 1.47
